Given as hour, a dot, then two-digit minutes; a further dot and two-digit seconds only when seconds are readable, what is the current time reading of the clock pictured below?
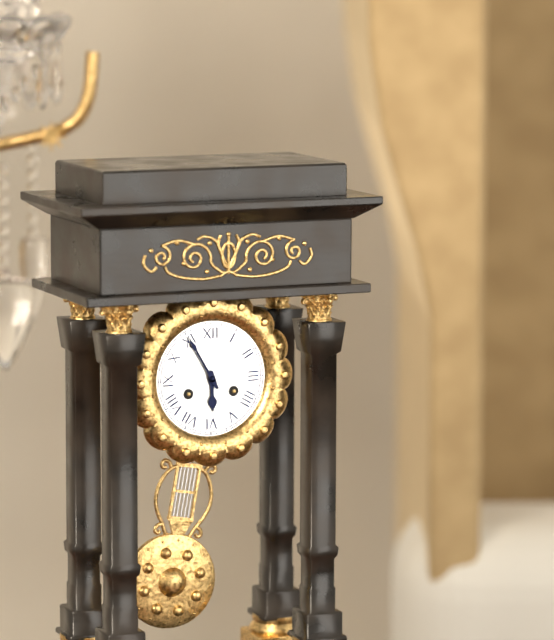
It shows 5.55
